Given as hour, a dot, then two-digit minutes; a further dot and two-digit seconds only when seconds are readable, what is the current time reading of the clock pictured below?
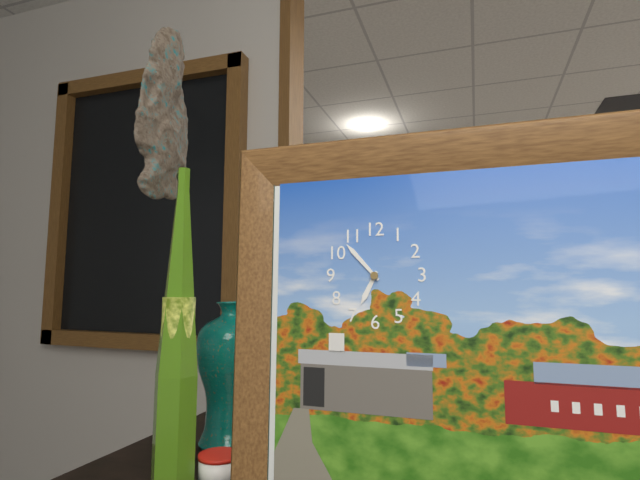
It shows 6.53
